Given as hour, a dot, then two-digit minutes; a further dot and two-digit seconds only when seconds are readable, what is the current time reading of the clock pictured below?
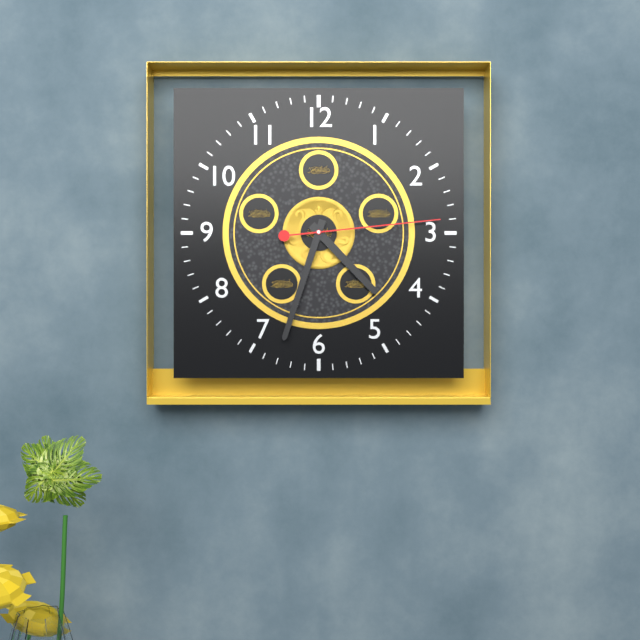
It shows 4.33.14
